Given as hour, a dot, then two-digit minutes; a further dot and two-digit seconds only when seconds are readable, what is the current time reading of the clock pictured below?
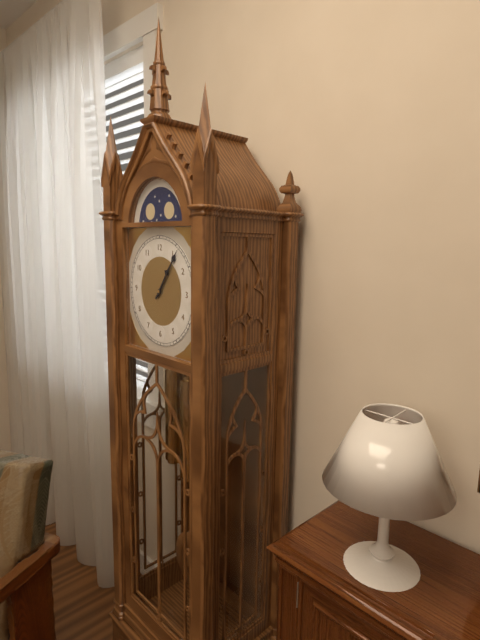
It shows 1.06
